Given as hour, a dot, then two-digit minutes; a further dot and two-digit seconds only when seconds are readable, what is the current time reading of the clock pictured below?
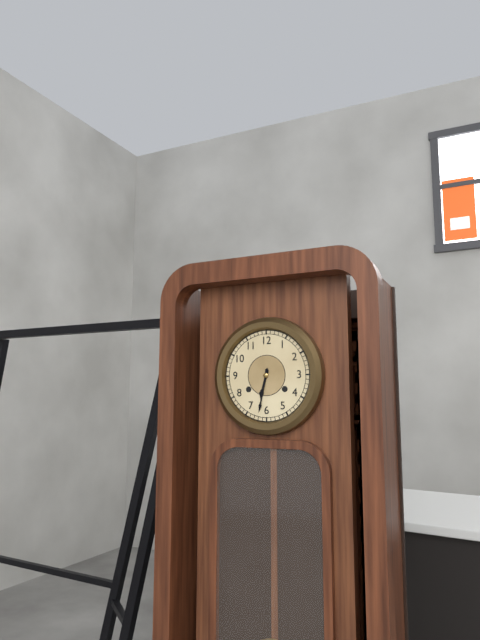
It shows 6.32
